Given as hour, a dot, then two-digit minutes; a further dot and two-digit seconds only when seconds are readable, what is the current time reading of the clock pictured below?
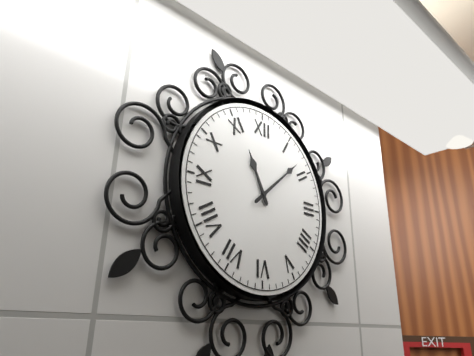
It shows 11.08
